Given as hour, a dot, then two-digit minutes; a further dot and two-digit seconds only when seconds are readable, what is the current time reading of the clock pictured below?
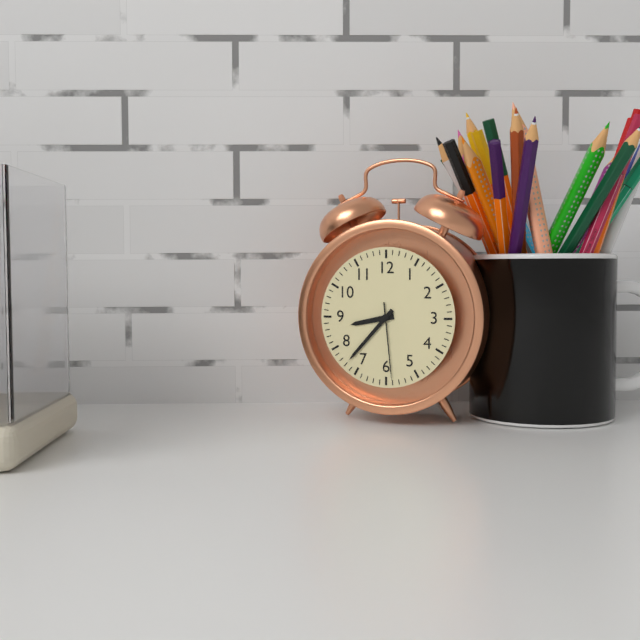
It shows 8.37.29
